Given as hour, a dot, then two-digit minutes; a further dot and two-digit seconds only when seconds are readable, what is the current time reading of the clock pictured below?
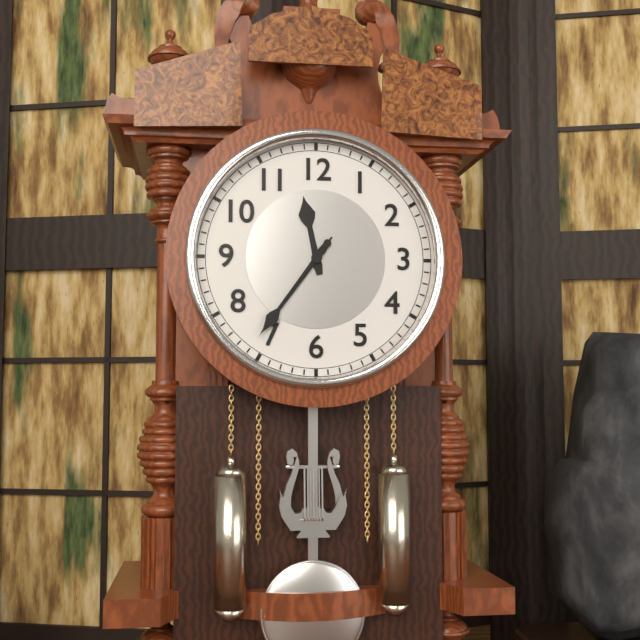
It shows 11.36.36
